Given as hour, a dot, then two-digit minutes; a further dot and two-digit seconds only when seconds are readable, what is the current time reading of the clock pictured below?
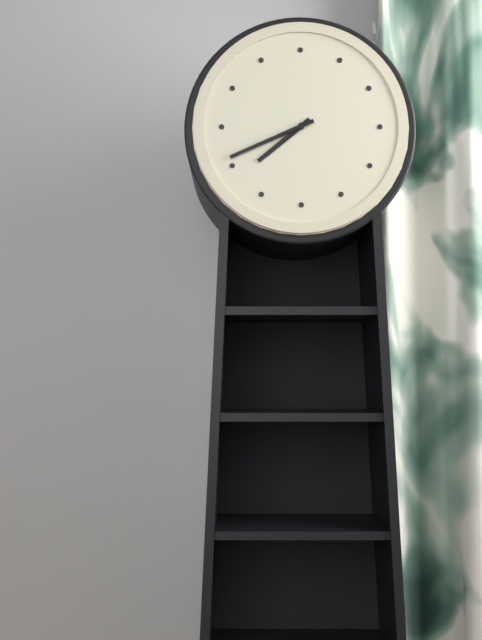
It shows 7.41
